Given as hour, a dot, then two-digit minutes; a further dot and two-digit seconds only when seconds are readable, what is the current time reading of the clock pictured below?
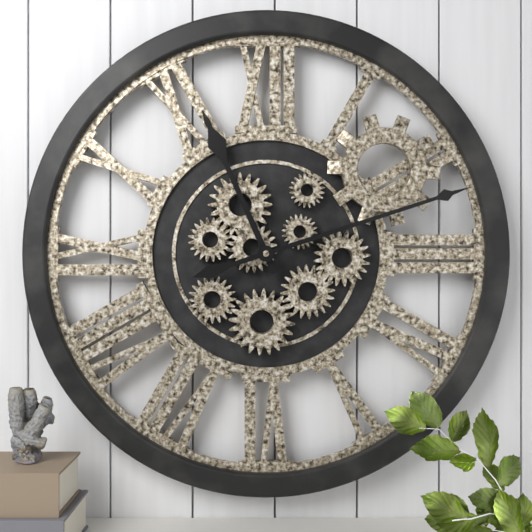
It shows 11.12
